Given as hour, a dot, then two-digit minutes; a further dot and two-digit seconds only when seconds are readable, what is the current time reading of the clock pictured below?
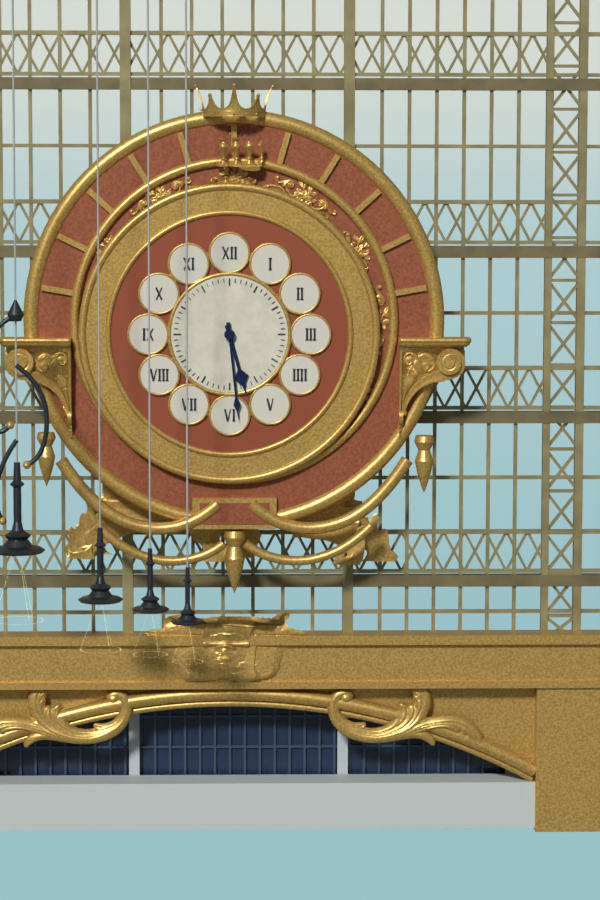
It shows 5.29
